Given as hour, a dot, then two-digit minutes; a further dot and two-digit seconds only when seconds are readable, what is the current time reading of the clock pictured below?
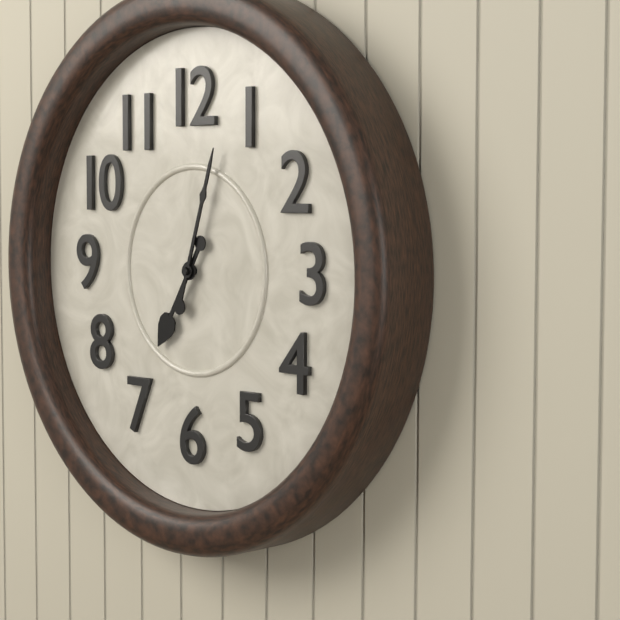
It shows 7.03
